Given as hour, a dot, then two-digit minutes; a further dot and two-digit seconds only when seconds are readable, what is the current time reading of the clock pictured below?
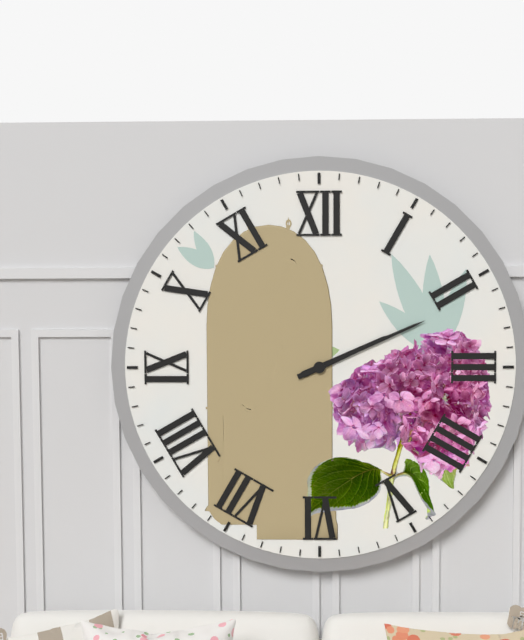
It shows 2.11
